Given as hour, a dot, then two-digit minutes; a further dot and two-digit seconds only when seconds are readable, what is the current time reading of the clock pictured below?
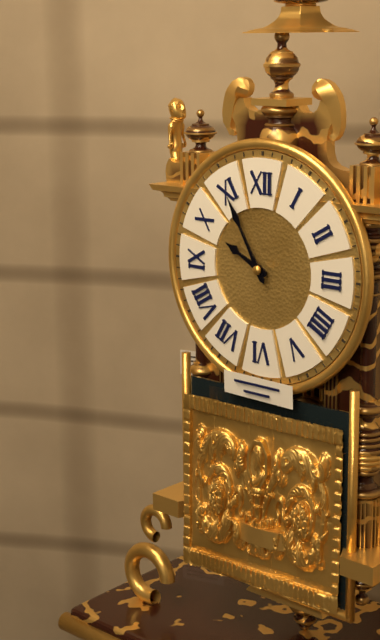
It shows 9.55
